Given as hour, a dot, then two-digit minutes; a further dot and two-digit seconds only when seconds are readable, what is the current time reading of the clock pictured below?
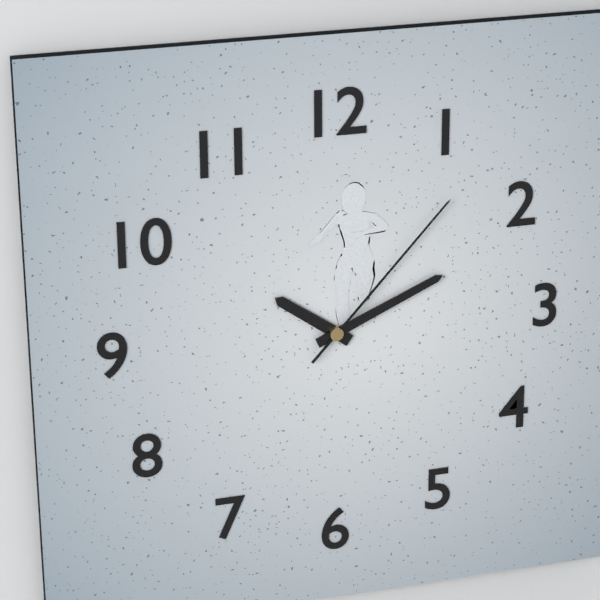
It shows 10.11.07
